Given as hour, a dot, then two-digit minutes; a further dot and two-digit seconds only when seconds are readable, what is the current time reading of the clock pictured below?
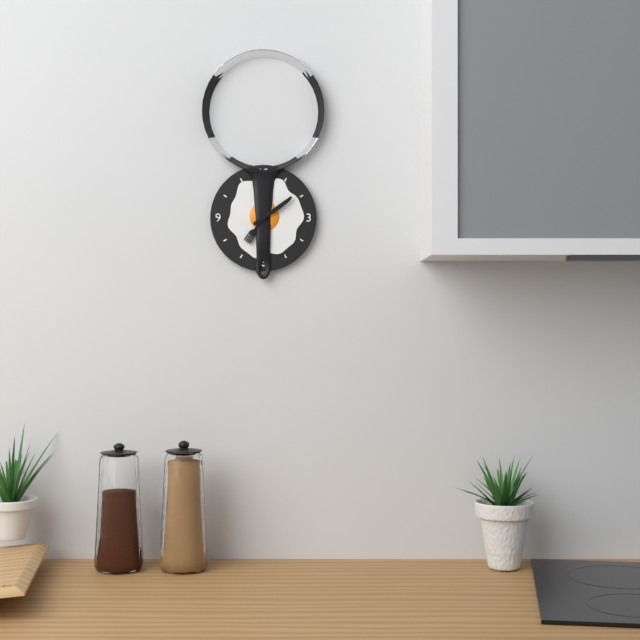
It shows 7.09
